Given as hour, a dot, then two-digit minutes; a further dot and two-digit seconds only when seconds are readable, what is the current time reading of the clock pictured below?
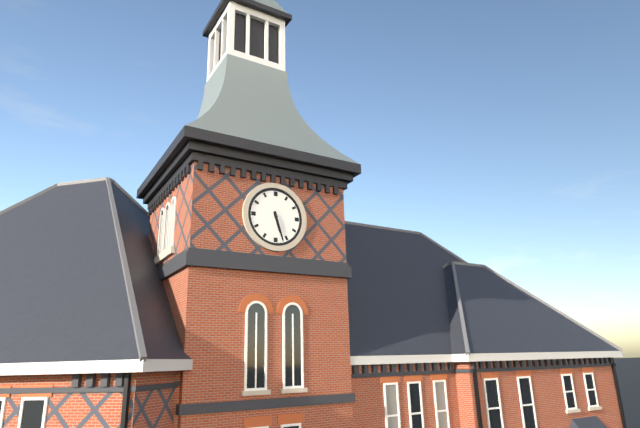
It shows 5.27
